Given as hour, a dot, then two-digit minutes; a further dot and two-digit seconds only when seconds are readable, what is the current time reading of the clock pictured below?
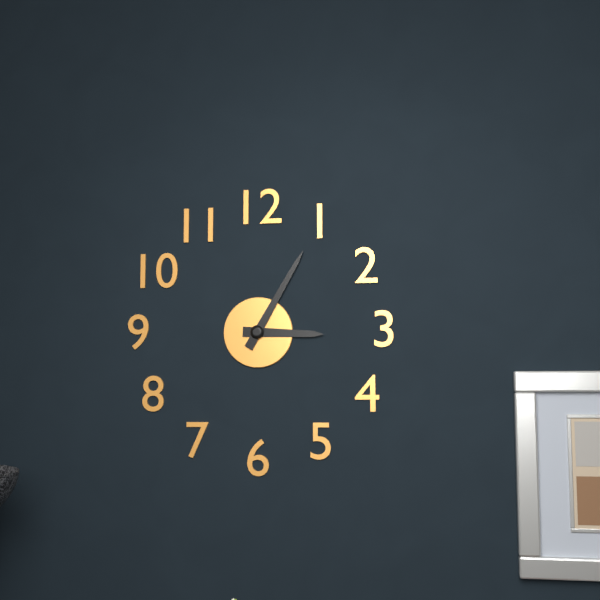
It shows 3.05
